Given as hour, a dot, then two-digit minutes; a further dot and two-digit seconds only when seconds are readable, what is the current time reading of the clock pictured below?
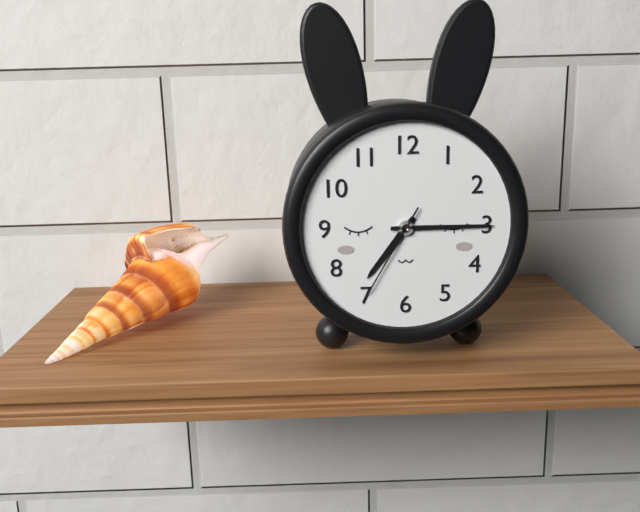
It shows 7.15.35
